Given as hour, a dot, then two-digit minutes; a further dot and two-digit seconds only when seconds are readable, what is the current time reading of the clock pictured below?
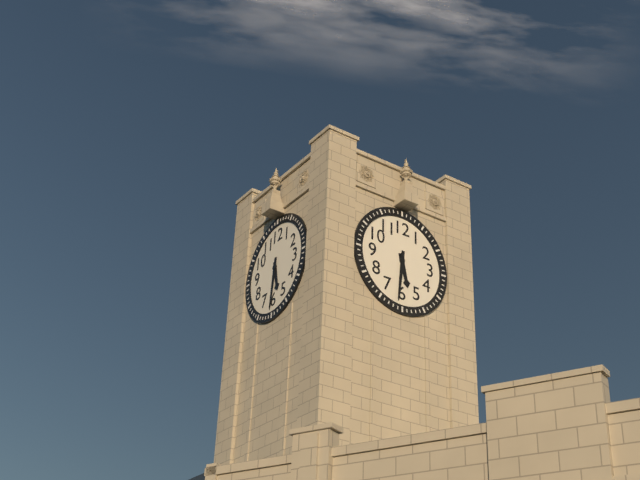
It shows 5.31
